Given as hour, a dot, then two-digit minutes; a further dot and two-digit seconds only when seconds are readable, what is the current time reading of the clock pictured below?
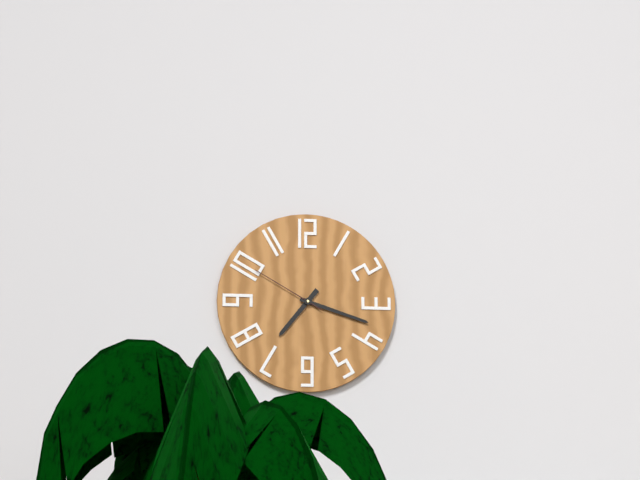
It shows 7.18.50
